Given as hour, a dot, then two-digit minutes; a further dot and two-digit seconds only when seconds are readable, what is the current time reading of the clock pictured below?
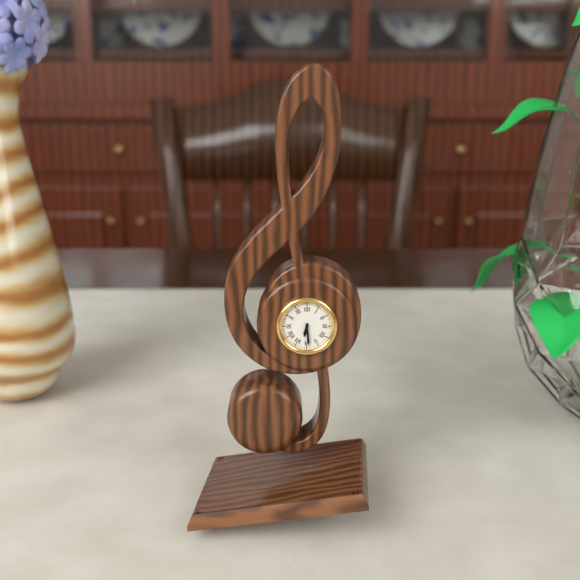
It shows 6.29
